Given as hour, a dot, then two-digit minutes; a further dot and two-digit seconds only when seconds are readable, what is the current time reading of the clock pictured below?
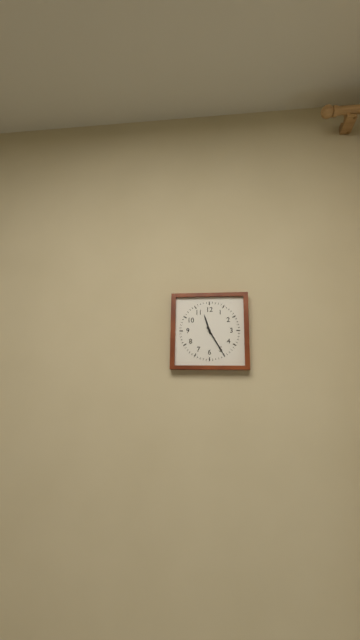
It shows 11.25
